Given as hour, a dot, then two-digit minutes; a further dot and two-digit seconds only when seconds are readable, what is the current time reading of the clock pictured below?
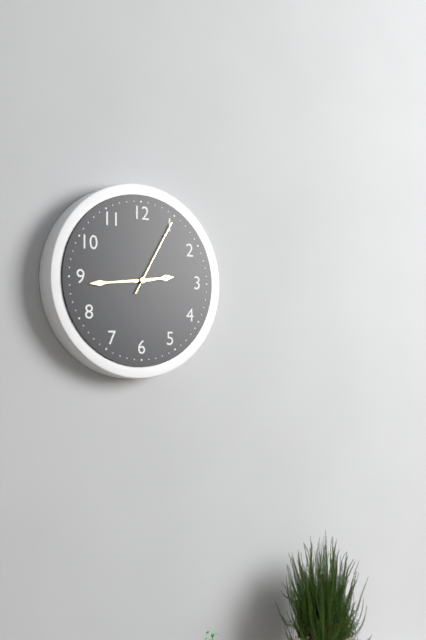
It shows 2.44.05
